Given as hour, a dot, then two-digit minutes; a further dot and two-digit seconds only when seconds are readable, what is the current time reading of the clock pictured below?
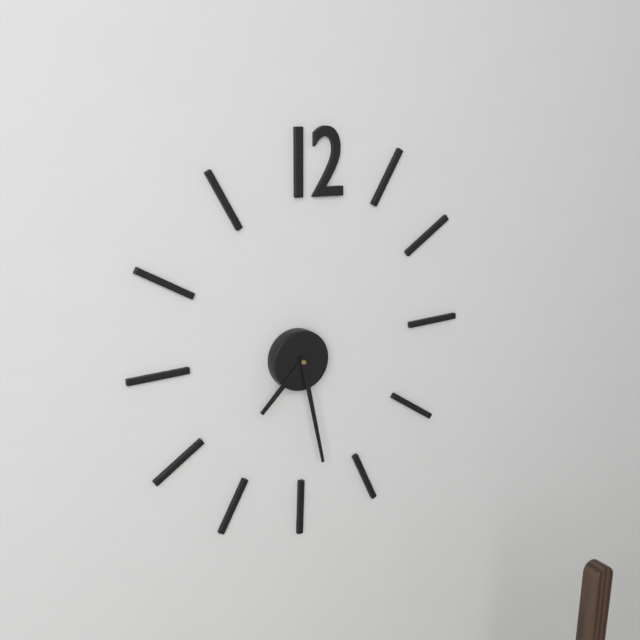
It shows 7.28
